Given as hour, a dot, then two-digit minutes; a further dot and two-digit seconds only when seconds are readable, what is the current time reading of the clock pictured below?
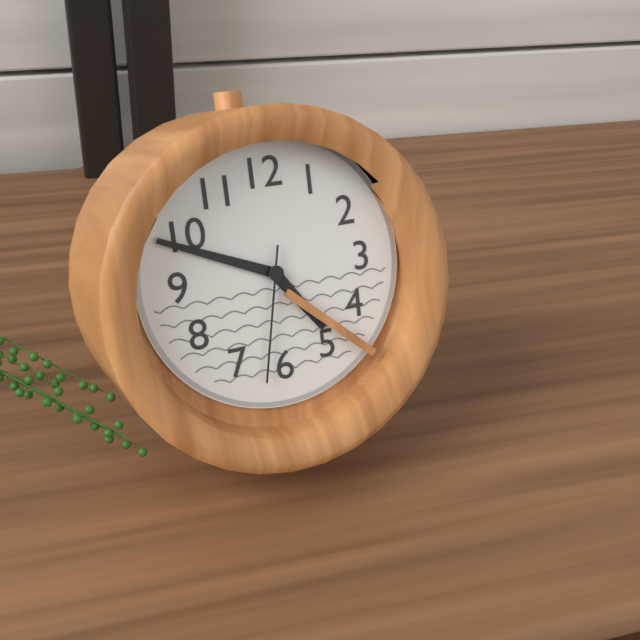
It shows 4.49.32
